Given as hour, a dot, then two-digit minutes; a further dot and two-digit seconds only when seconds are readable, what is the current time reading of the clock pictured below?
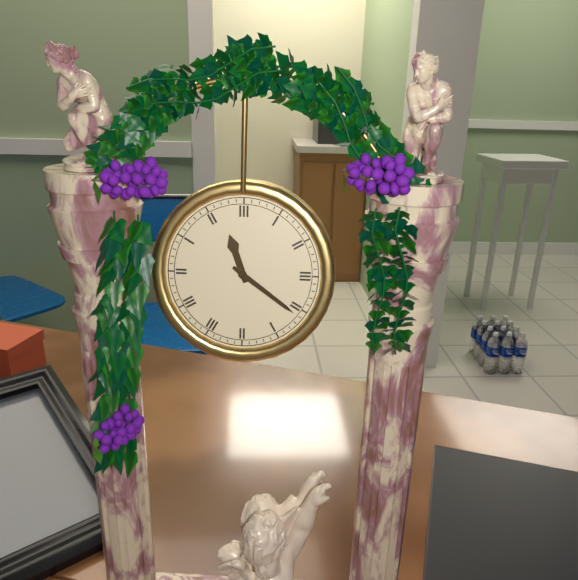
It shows 11.21
